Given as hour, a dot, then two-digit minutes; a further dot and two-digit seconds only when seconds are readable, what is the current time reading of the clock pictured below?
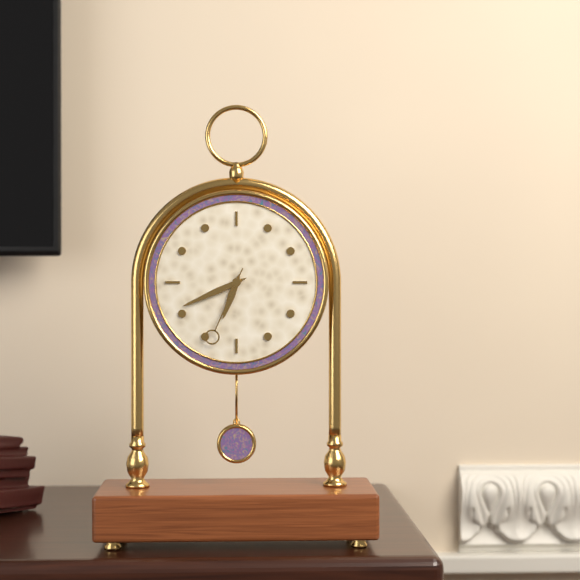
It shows 6.41.34
